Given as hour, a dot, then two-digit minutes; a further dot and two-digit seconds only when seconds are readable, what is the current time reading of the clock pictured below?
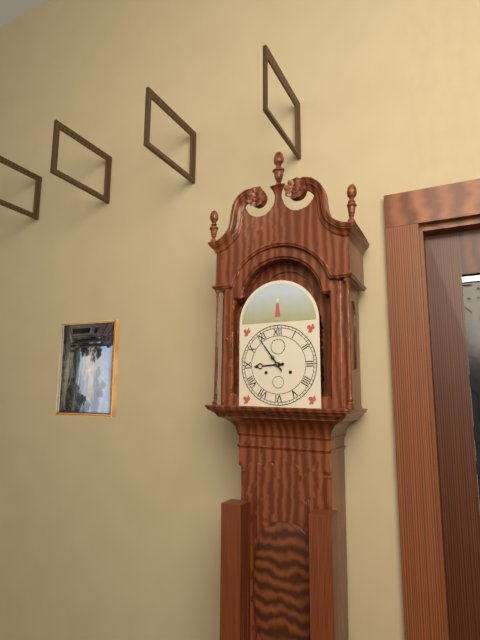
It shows 8.54
